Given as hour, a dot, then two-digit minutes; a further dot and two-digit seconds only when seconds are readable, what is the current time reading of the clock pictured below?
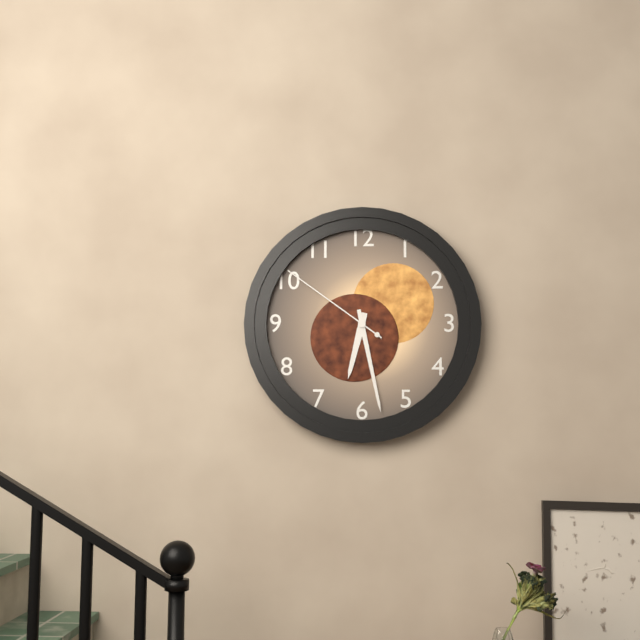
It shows 6.28.51
